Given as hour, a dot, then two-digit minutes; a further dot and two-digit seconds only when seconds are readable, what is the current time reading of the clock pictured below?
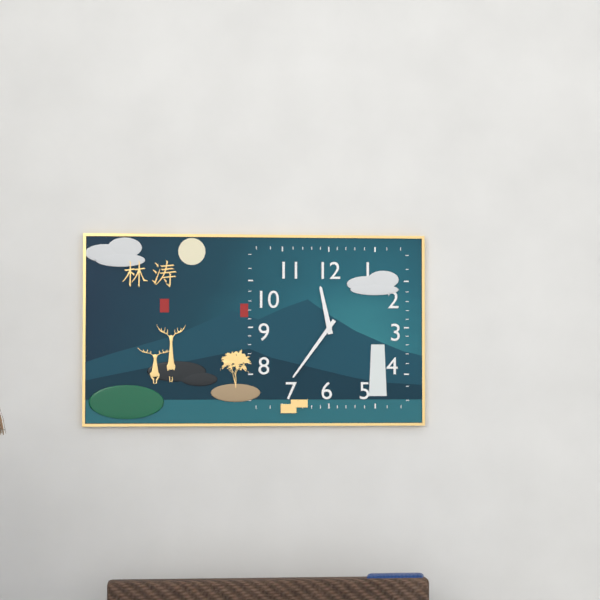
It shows 11.36
